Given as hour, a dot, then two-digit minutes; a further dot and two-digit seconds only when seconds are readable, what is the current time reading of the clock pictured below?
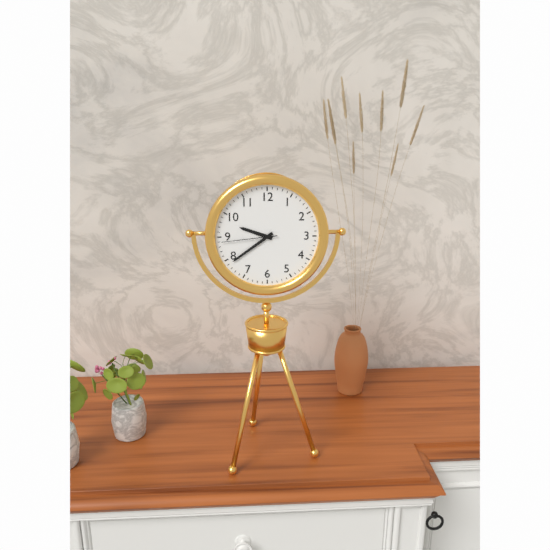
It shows 9.39.44
